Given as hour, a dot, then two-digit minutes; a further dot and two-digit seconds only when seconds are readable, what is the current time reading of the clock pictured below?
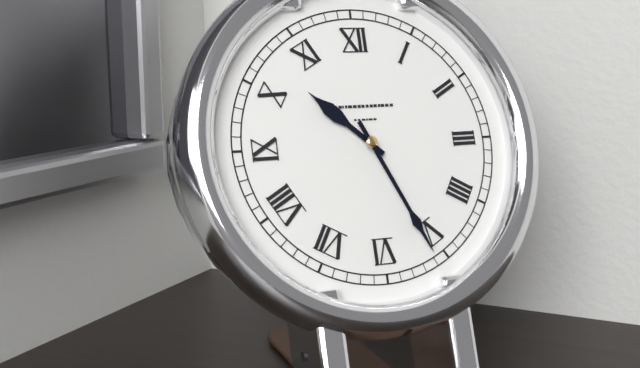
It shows 10.26
